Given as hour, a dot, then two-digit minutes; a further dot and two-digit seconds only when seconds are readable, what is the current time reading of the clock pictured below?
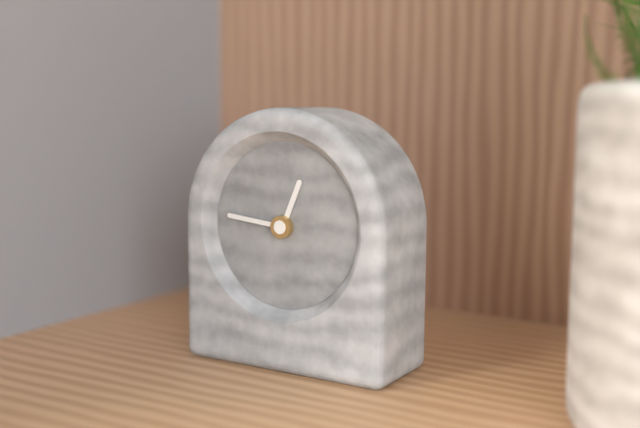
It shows 12.46
